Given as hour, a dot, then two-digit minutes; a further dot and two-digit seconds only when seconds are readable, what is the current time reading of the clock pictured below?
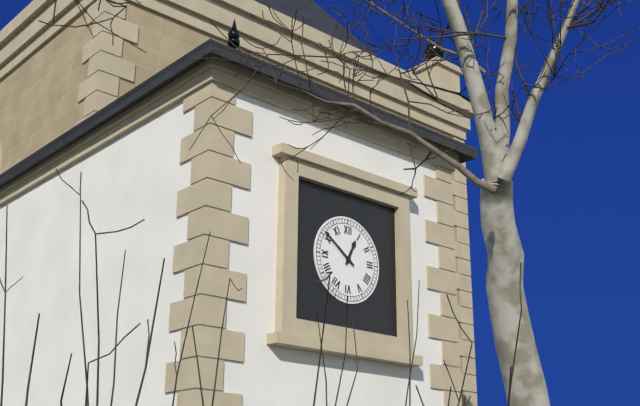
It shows 12.51
